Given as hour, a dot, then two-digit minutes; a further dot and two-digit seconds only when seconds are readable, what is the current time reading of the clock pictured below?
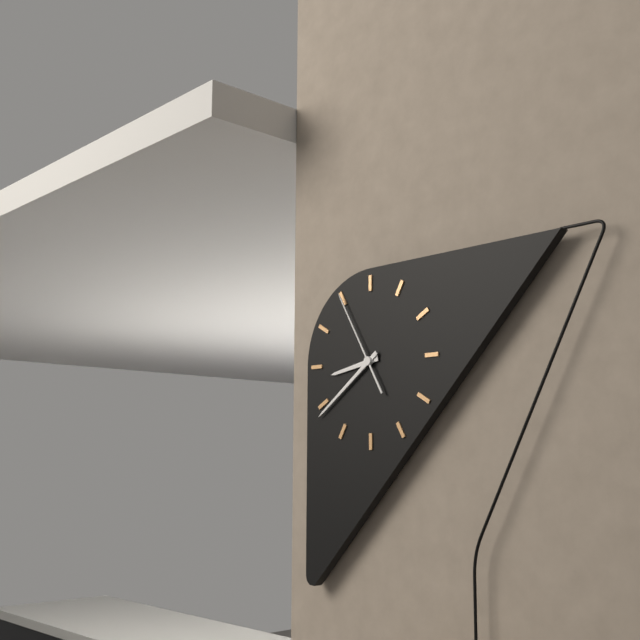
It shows 8.39.55
